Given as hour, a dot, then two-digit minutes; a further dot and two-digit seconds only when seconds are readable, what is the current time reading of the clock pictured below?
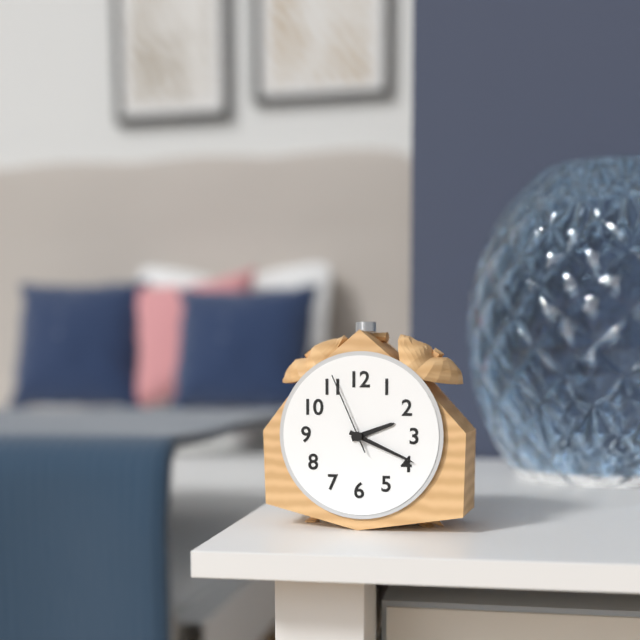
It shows 2.19.56
